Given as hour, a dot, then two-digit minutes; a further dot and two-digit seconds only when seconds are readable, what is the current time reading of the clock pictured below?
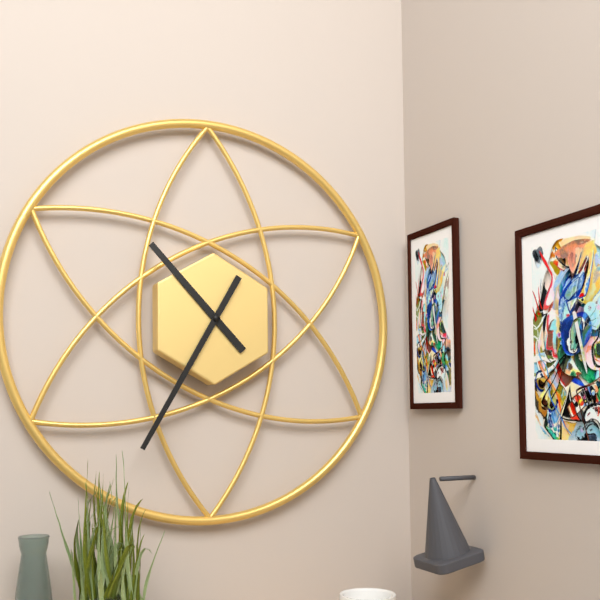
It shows 10.35
